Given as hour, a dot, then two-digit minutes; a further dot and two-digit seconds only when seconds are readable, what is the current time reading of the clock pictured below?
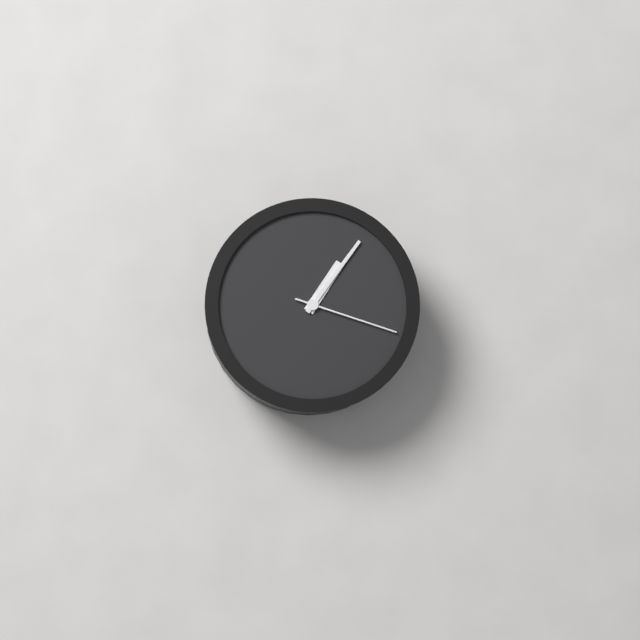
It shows 1.06.18
